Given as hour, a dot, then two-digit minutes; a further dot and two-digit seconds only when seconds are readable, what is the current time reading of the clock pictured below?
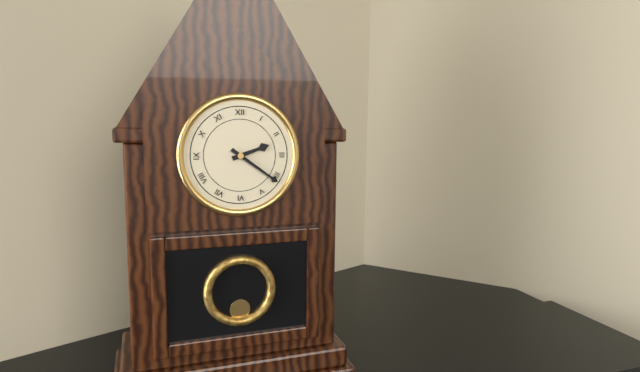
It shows 2.21
